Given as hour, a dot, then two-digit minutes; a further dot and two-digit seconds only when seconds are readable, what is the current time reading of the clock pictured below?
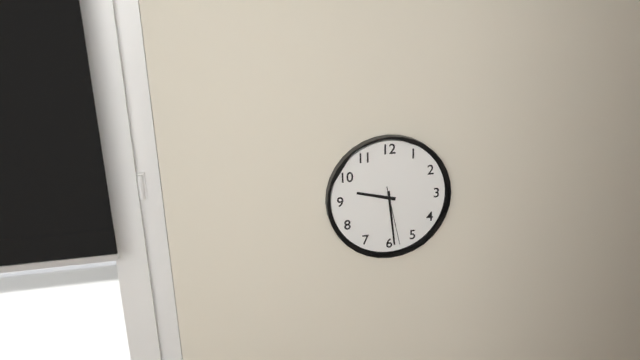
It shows 9.29.28
